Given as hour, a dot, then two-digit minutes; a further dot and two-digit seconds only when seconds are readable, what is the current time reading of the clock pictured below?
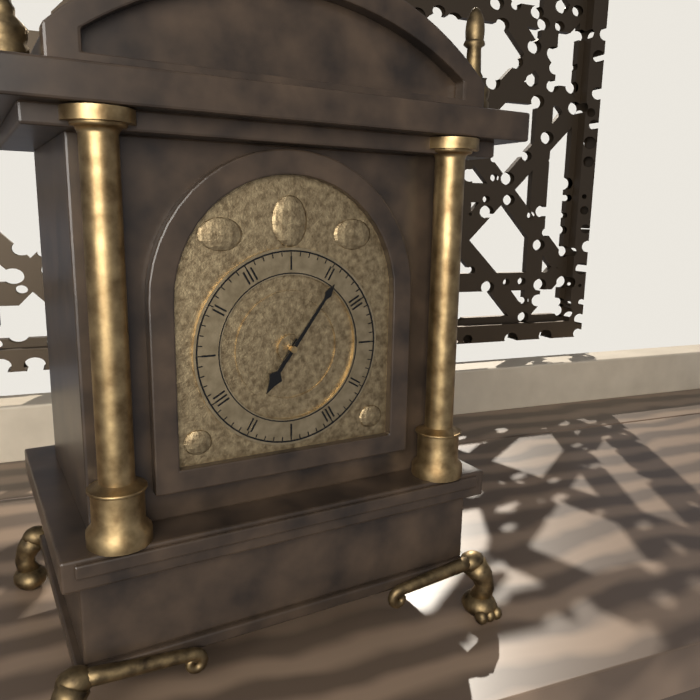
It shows 7.06
